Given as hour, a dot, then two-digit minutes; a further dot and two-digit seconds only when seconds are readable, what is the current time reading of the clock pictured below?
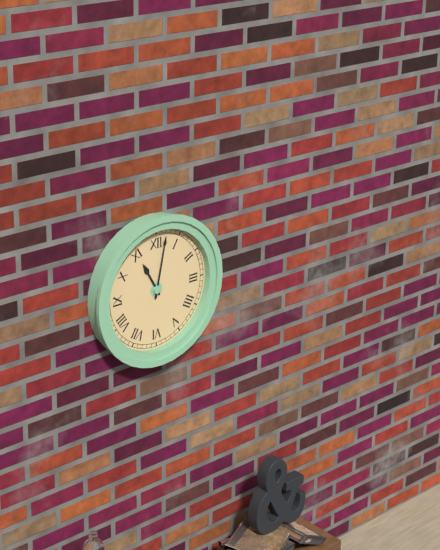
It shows 11.02
